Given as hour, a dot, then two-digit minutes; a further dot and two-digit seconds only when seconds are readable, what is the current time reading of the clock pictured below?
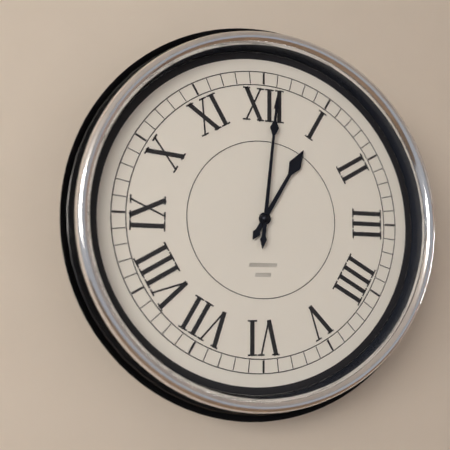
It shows 1.01
